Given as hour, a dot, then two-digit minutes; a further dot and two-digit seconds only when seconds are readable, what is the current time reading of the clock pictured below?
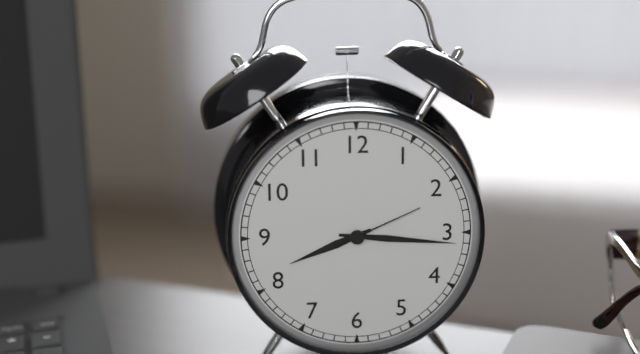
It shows 8.16.11
